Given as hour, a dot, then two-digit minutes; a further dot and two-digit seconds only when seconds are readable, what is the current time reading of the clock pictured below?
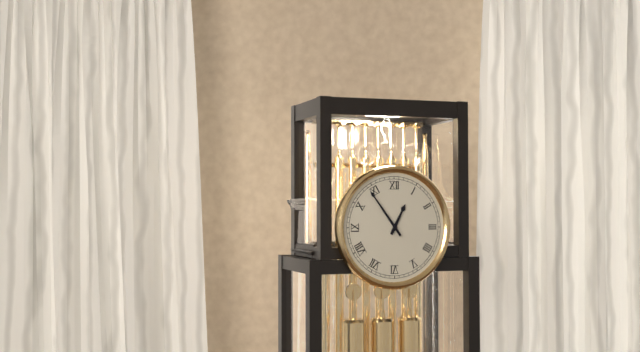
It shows 12.54
